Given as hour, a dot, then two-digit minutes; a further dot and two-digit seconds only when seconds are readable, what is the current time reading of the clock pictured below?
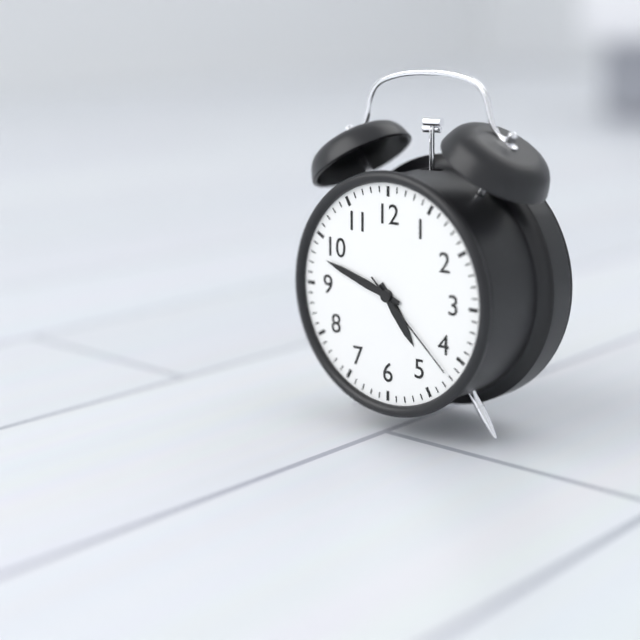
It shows 4.48.22
